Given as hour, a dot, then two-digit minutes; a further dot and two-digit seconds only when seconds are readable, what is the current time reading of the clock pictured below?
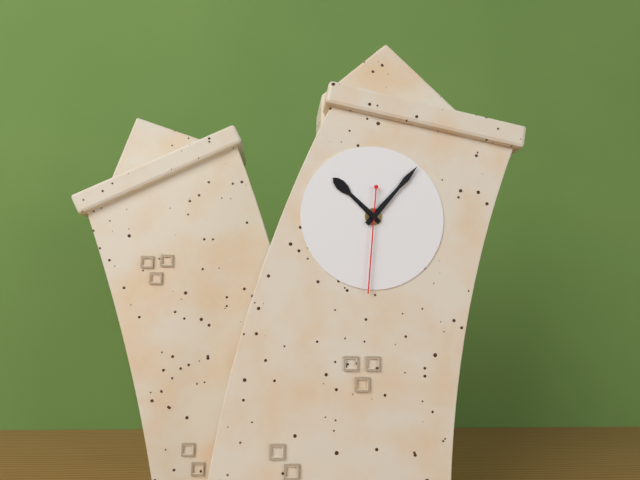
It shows 10.05.29
